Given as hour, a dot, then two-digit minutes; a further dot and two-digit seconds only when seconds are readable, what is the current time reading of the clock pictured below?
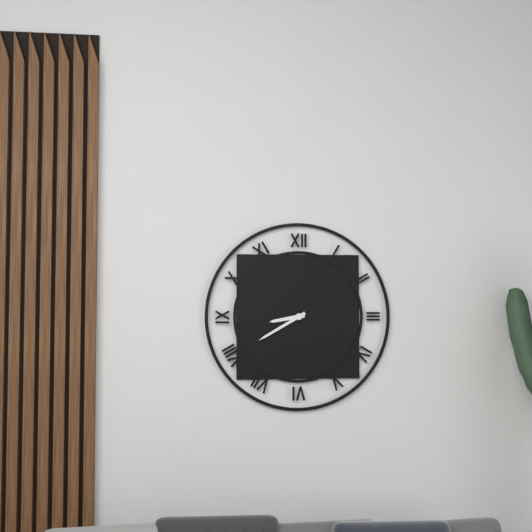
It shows 8.40
